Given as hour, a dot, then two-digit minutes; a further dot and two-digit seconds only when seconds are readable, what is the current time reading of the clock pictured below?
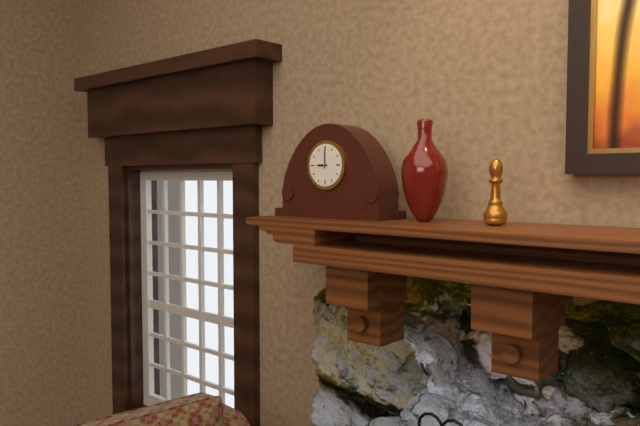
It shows 9.00
